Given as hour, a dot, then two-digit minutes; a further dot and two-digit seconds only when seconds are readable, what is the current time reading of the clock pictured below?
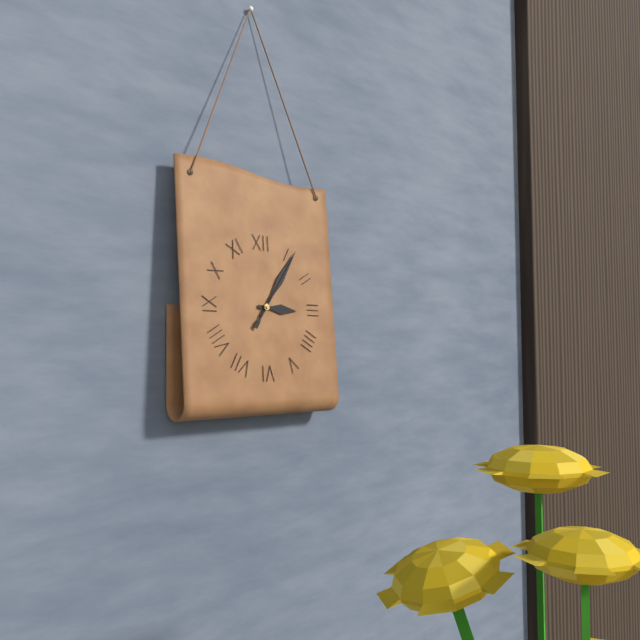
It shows 3.06.06
